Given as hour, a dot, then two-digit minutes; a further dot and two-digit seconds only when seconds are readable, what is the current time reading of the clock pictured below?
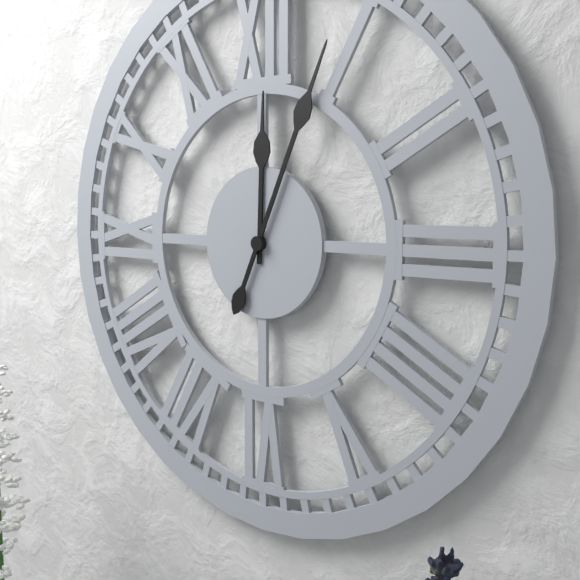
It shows 12.04
